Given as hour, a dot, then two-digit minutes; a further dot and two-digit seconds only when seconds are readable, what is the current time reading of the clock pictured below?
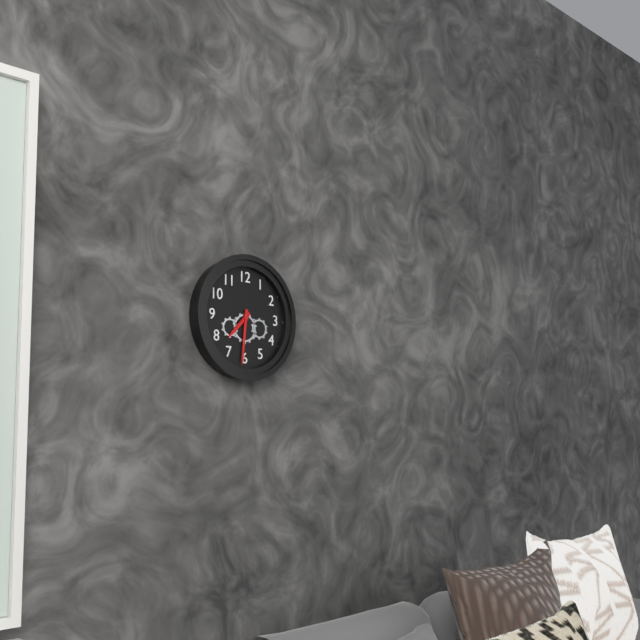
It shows 7.31
